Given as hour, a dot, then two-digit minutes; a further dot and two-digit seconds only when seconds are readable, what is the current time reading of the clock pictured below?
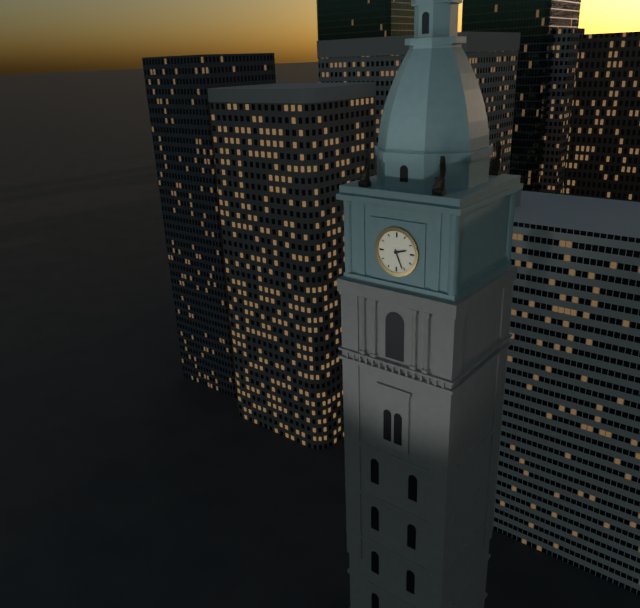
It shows 2.26
